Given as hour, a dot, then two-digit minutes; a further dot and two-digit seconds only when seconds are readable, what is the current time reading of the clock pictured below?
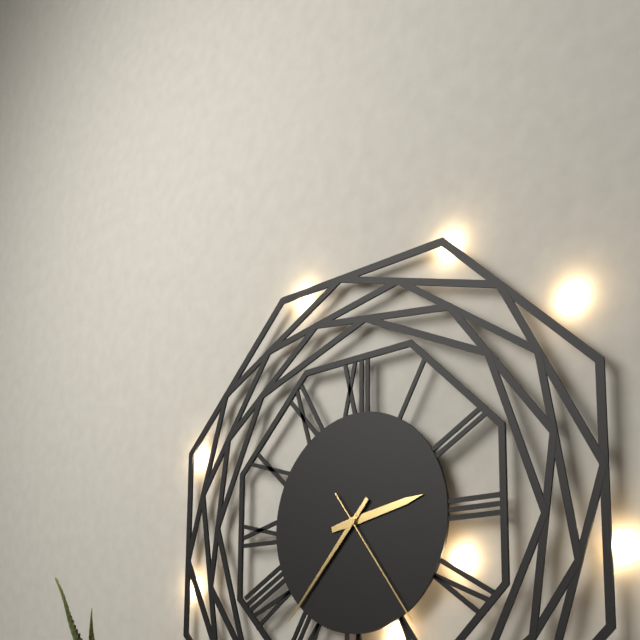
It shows 2.37.24
